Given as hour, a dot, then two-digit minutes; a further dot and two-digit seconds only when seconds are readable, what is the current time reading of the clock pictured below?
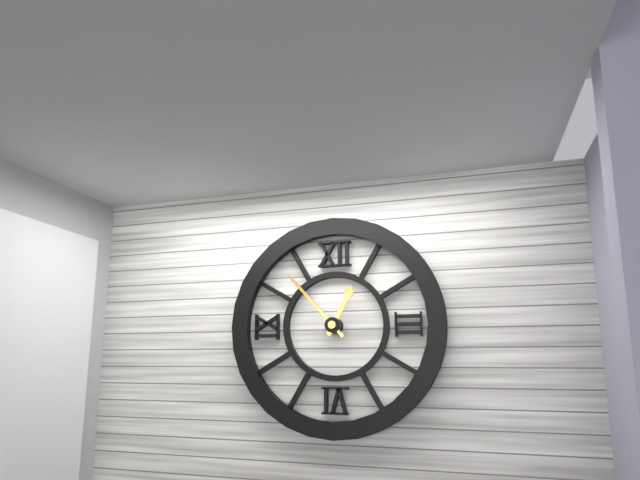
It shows 12.53
